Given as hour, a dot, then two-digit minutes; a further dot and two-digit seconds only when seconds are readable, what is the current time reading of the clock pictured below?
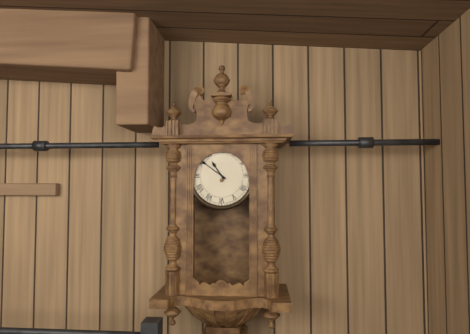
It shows 10.51
